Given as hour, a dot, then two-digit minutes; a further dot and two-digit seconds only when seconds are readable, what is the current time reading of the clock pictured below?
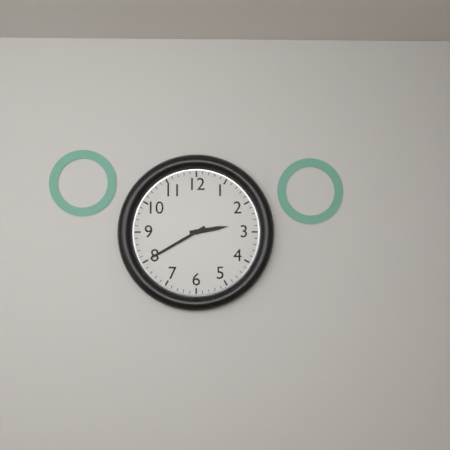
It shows 2.40
